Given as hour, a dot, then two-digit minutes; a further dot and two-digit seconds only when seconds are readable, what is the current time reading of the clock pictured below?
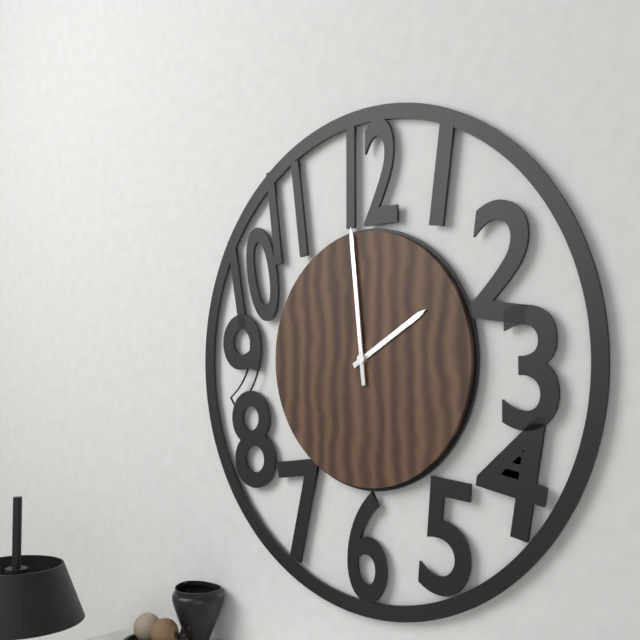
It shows 1.59
